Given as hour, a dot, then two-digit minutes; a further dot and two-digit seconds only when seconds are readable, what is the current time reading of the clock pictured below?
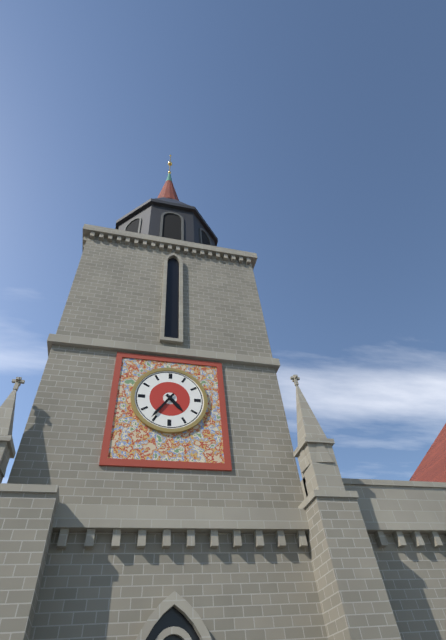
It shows 4.36
